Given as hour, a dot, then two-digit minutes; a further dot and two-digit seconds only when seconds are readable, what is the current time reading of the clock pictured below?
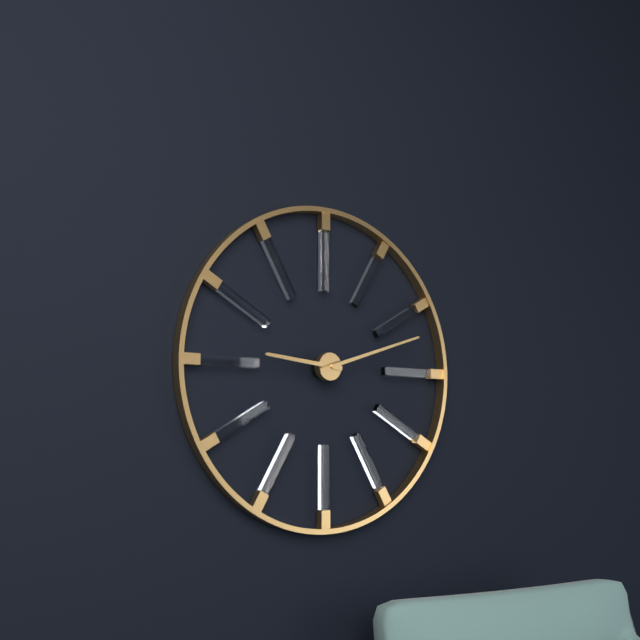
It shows 9.12
